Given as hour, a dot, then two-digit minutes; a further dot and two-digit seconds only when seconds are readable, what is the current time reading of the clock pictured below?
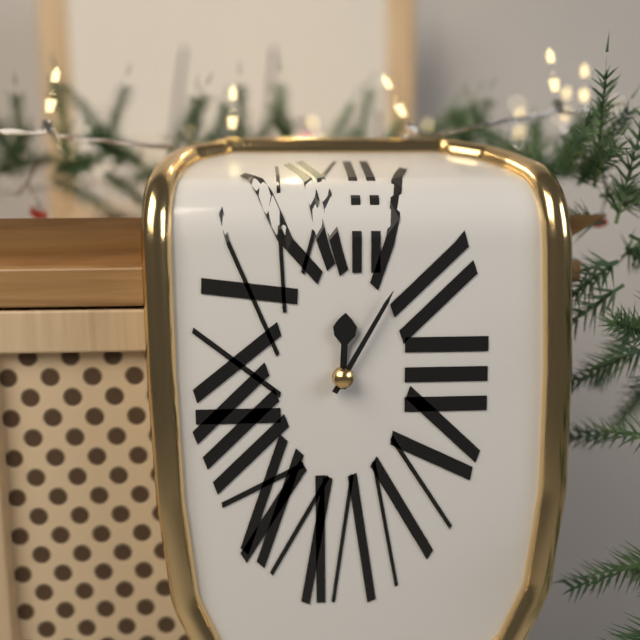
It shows 12.05
